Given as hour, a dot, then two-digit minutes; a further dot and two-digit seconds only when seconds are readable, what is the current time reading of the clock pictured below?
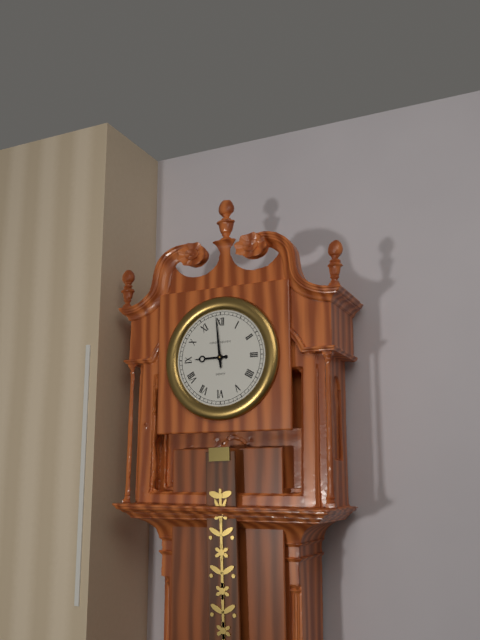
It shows 8.59
